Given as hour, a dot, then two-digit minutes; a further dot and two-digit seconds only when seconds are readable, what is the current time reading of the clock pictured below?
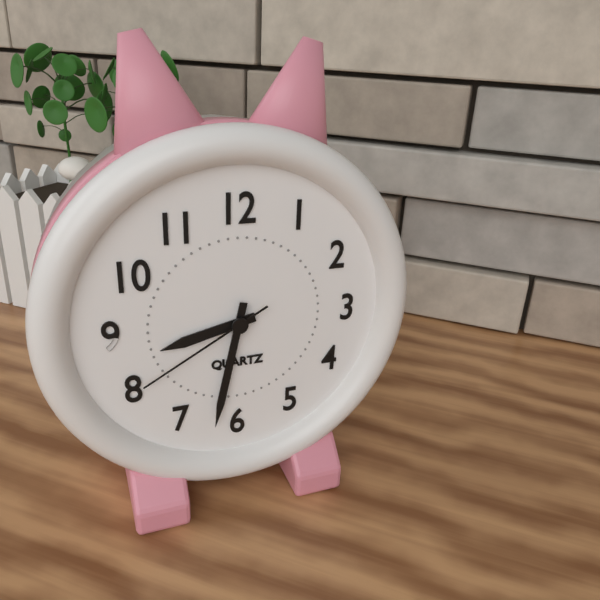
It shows 8.32.40
